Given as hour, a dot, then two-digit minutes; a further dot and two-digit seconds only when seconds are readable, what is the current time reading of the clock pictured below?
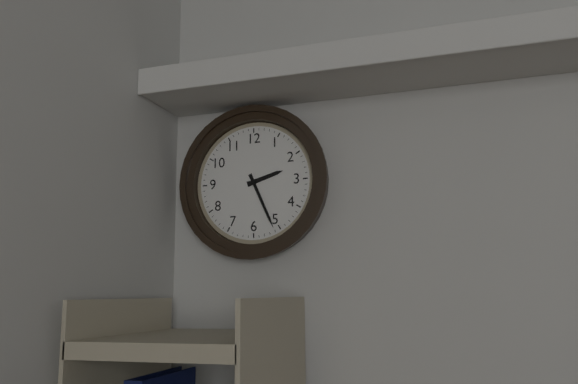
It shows 2.26
